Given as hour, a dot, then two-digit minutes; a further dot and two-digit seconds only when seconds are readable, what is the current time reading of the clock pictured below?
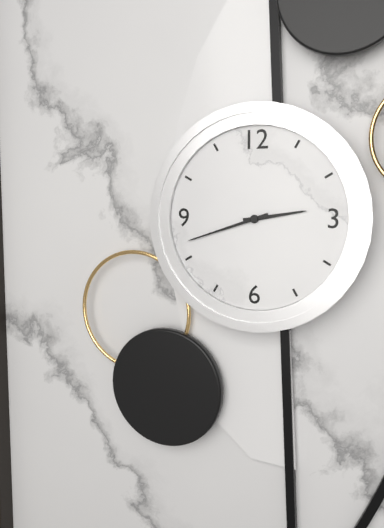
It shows 2.42
